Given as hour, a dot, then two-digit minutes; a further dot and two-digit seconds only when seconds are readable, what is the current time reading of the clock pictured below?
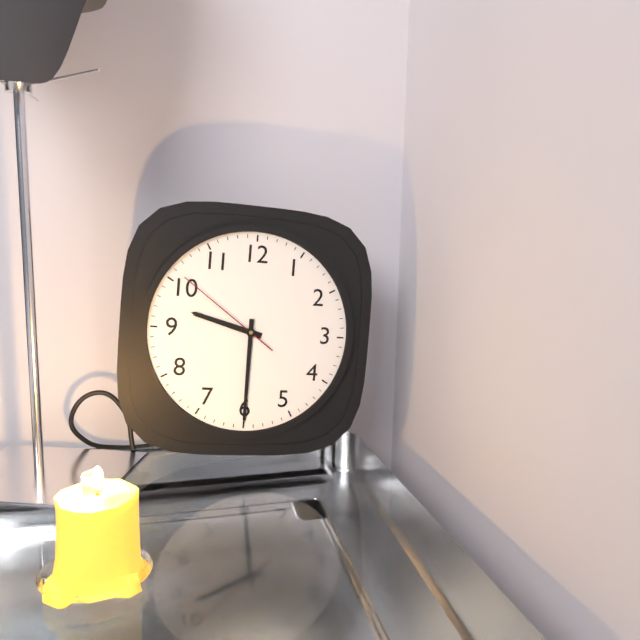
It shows 9.30.51
